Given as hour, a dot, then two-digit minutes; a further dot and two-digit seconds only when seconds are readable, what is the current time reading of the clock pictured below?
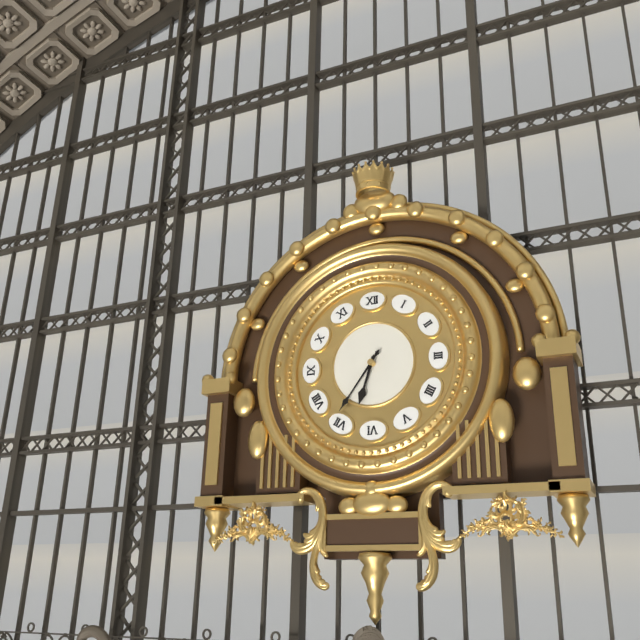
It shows 6.36
